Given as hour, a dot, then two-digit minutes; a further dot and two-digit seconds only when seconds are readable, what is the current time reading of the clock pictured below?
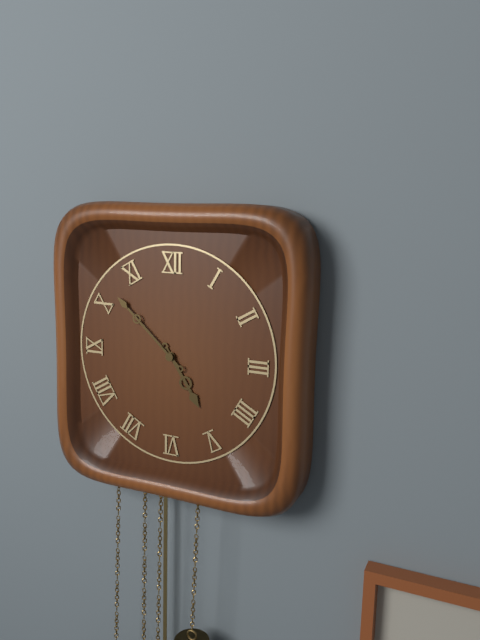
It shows 4.52
